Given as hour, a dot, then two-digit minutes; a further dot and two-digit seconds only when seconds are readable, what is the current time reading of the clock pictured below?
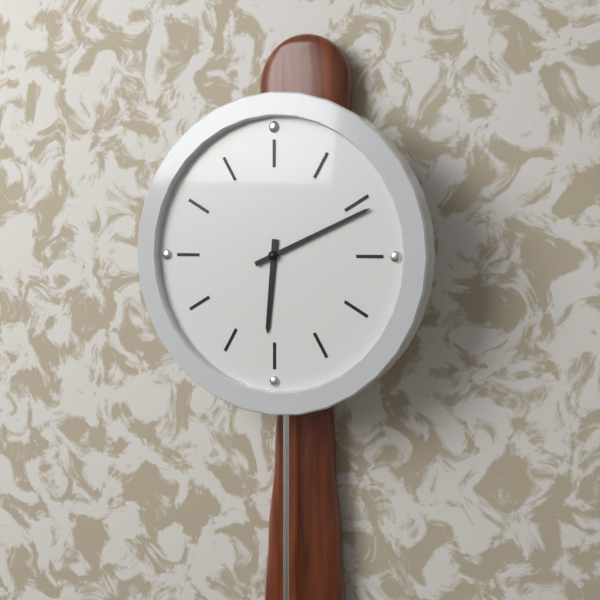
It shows 6.11
